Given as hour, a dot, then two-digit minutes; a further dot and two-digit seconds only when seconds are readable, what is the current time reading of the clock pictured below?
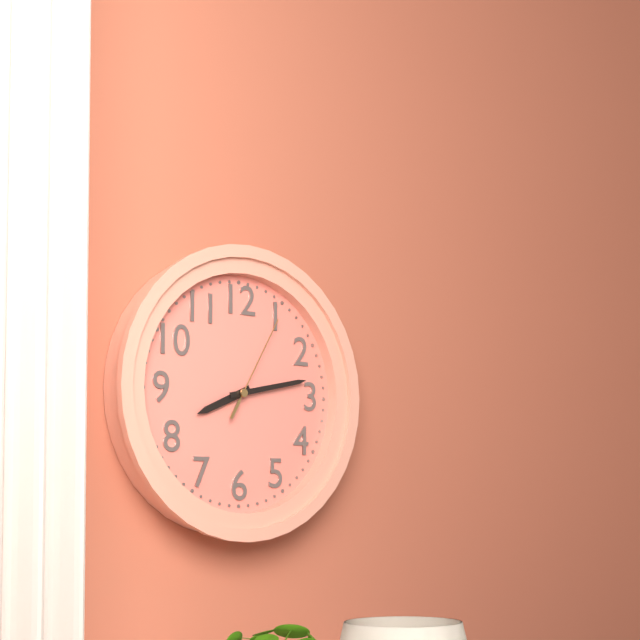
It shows 8.13.05
